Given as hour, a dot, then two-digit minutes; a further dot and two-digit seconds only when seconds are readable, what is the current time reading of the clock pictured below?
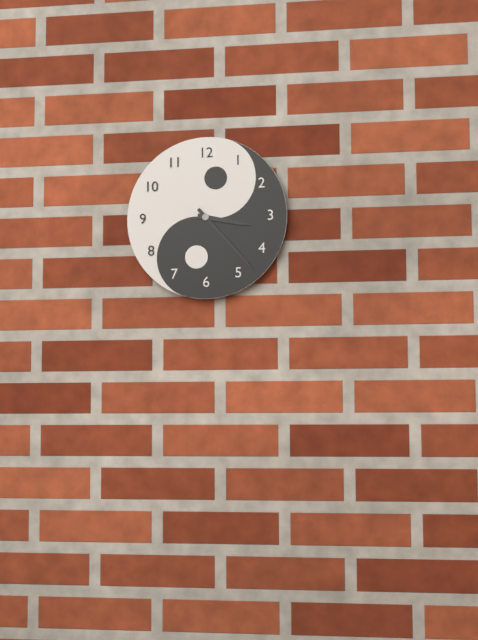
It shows 3.23
